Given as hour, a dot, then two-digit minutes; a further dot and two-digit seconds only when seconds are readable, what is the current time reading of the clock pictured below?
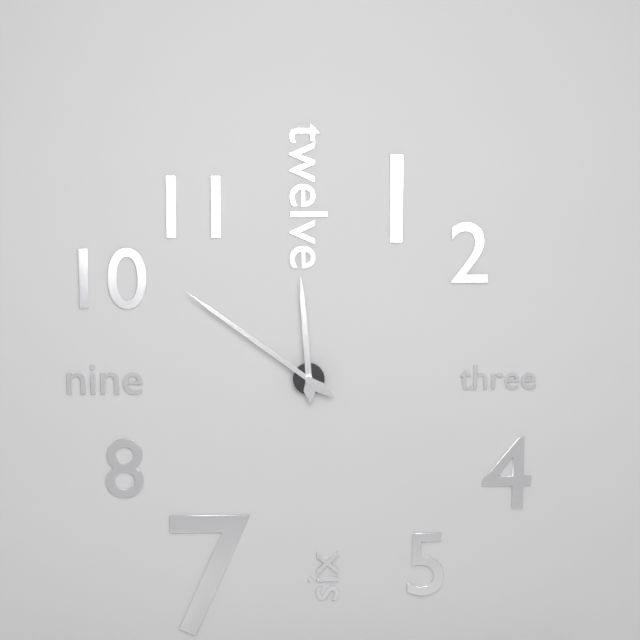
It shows 11.51
